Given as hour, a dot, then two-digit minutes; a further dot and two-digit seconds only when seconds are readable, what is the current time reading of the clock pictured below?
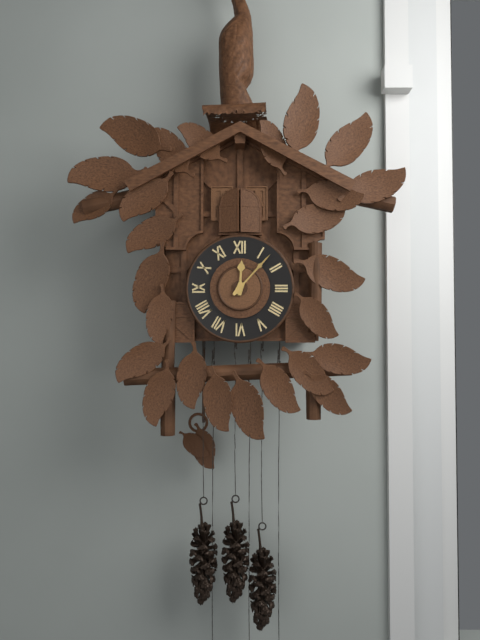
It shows 12.07
